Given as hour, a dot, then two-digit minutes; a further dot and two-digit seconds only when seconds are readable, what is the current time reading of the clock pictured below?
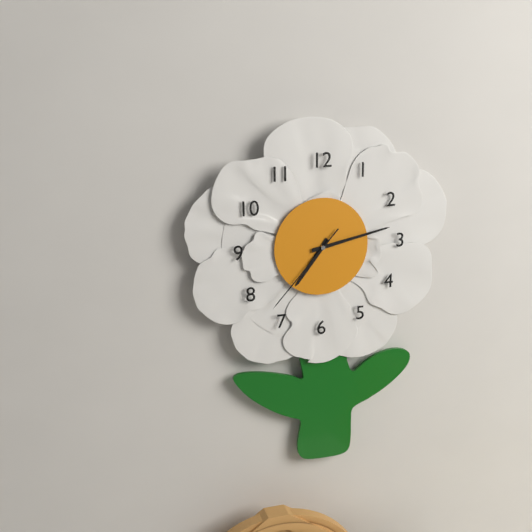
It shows 7.13.37
